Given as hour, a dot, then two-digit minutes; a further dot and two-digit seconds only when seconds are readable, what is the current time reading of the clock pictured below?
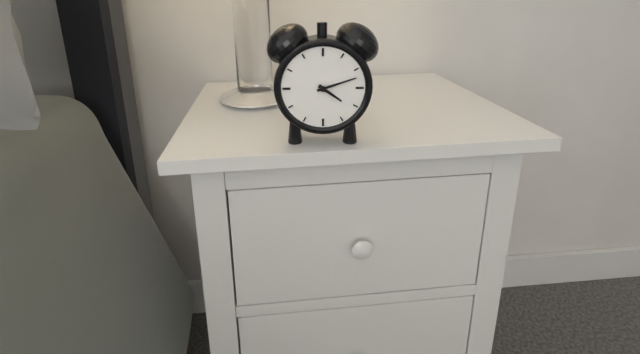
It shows 4.12
